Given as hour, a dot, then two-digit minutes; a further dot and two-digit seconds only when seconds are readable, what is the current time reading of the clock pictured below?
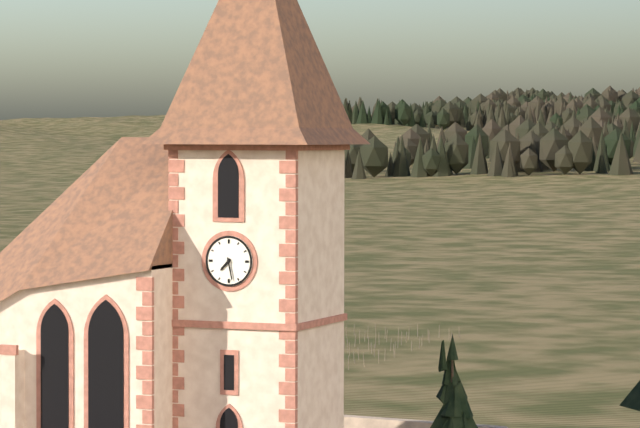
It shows 7.28
